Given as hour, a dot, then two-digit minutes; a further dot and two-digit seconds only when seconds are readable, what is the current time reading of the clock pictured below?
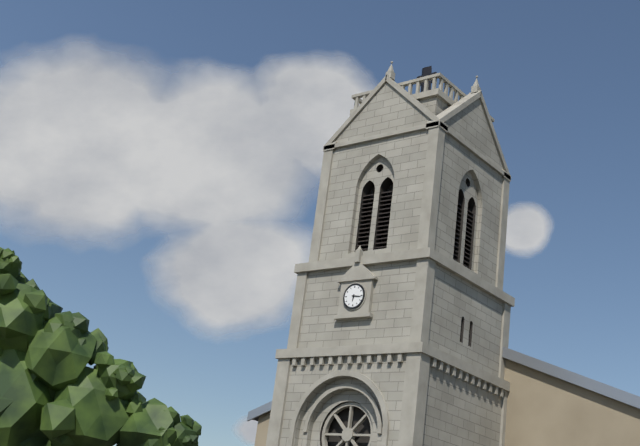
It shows 6.16
